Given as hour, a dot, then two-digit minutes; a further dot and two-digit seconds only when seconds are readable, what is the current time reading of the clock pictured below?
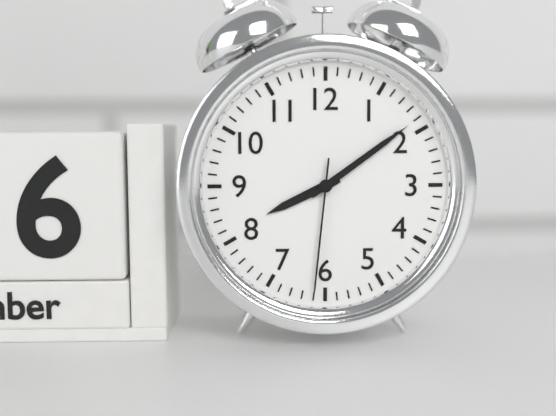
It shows 8.09.31
